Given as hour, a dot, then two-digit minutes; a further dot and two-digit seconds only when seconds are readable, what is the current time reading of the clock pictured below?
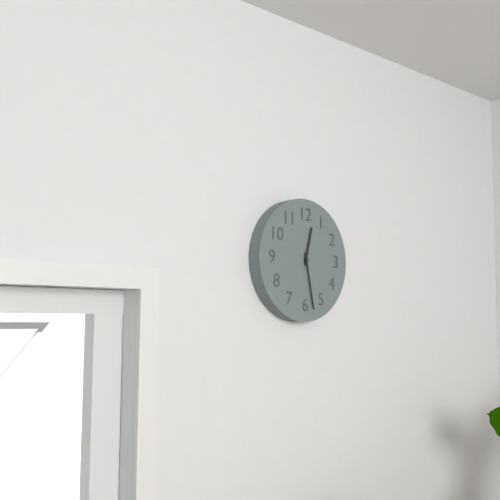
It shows 12.28
